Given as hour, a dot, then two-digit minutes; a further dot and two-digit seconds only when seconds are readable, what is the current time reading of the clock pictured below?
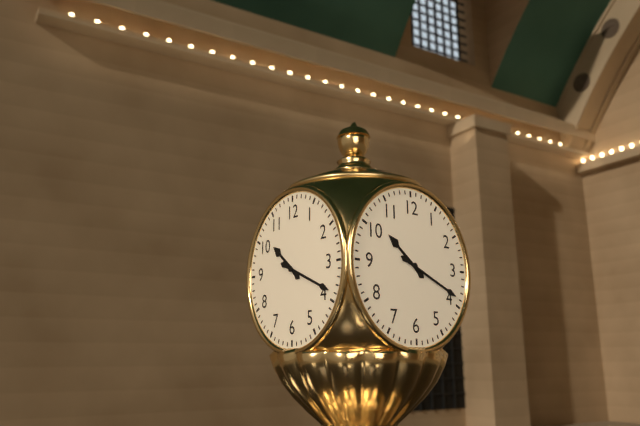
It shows 10.19
